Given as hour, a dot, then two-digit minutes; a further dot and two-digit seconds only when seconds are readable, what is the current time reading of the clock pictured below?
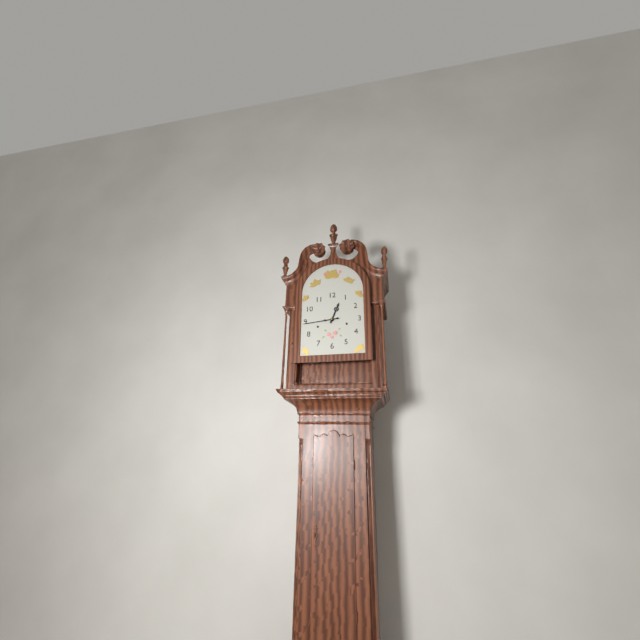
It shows 12.44
